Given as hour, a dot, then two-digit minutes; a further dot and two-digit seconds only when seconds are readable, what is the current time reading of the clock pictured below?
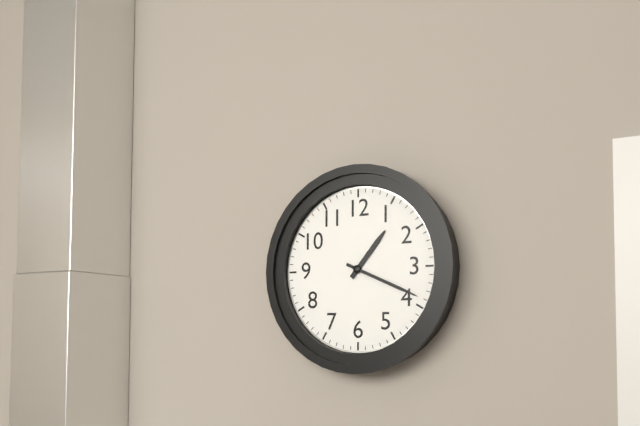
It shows 1.19
